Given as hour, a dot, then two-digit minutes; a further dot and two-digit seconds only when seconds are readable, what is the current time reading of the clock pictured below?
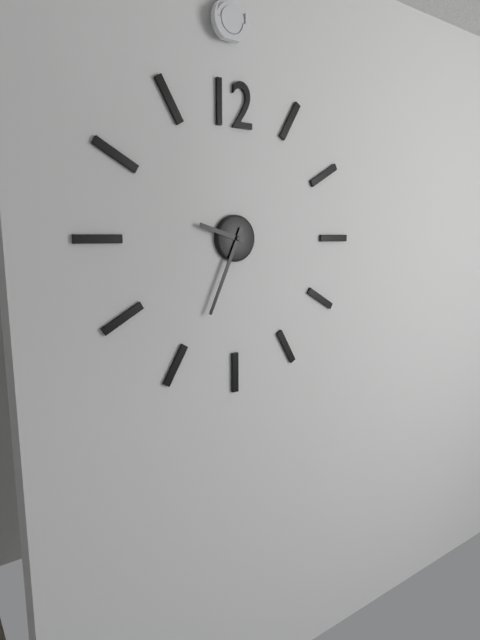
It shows 9.34
